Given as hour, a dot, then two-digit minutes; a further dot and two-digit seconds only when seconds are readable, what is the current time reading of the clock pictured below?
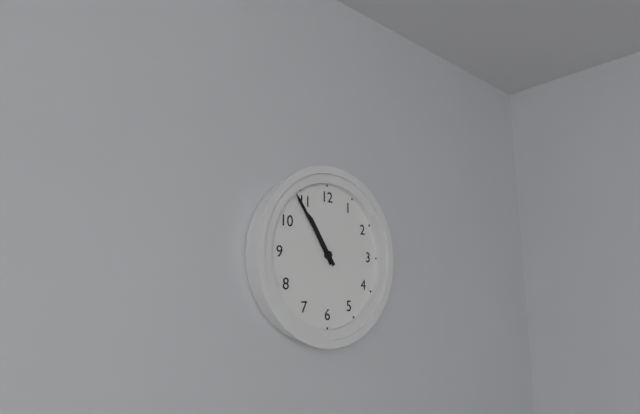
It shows 10.54
